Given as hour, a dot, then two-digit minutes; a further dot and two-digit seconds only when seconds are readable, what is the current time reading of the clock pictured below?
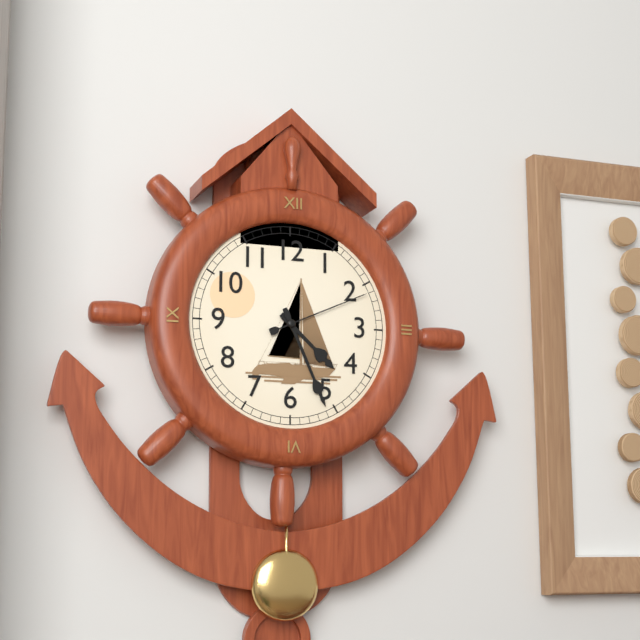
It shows 4.26.11
